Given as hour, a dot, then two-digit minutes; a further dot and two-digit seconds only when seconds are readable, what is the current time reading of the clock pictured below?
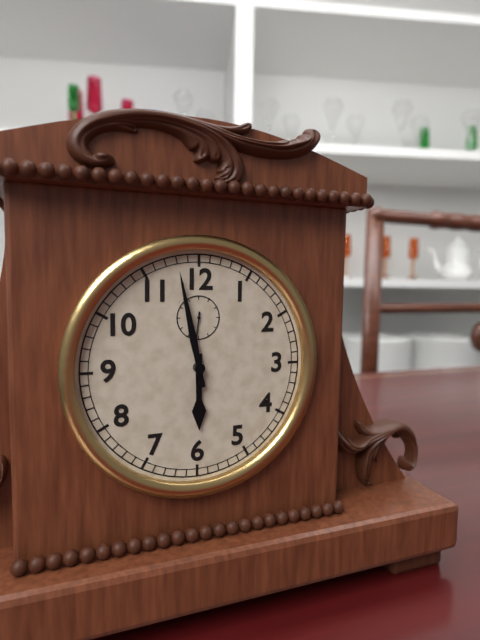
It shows 5.58
